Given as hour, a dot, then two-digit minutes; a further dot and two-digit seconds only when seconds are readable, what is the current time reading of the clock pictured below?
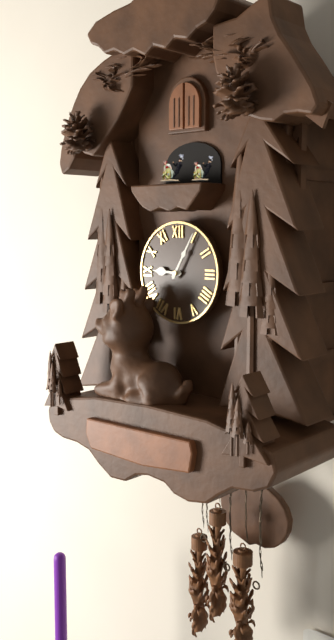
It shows 9.05
